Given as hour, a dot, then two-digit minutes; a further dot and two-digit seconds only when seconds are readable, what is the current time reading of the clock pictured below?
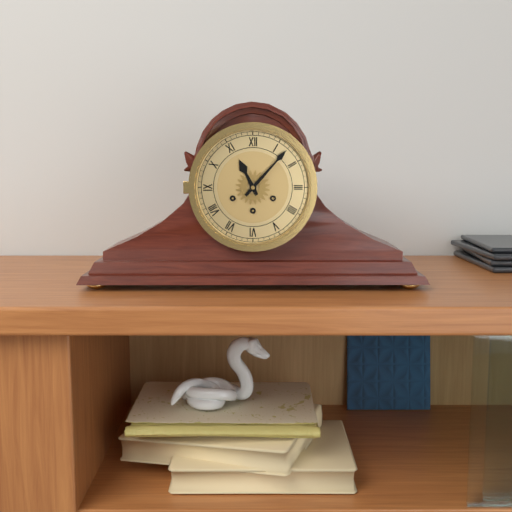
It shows 11.07
